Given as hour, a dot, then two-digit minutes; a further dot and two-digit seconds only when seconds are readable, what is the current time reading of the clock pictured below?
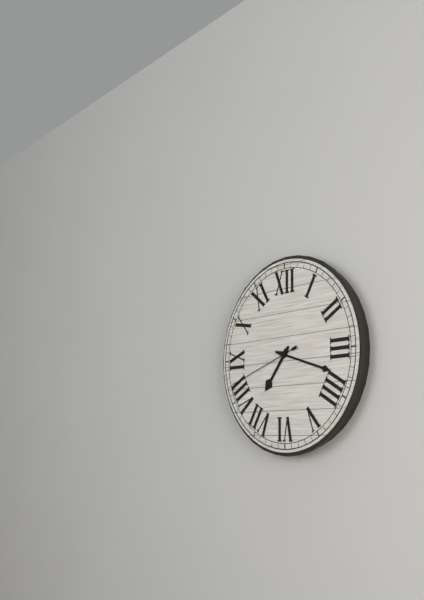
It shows 7.18.42
